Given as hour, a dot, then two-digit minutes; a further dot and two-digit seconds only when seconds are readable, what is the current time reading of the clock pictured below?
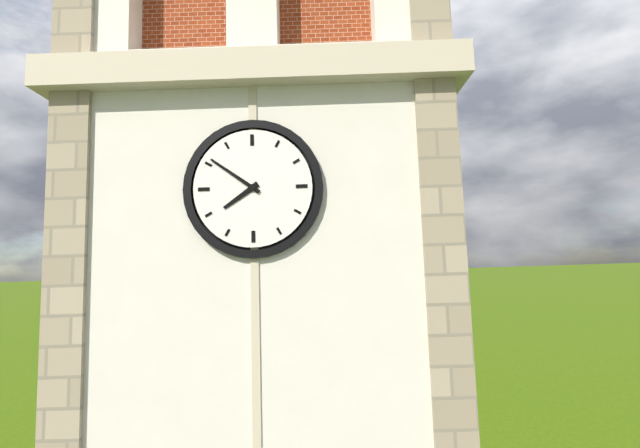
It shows 7.51
